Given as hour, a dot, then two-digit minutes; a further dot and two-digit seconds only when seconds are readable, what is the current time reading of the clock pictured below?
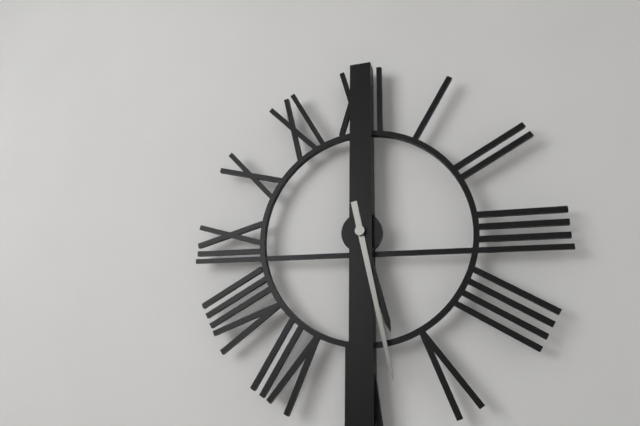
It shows 5.28
